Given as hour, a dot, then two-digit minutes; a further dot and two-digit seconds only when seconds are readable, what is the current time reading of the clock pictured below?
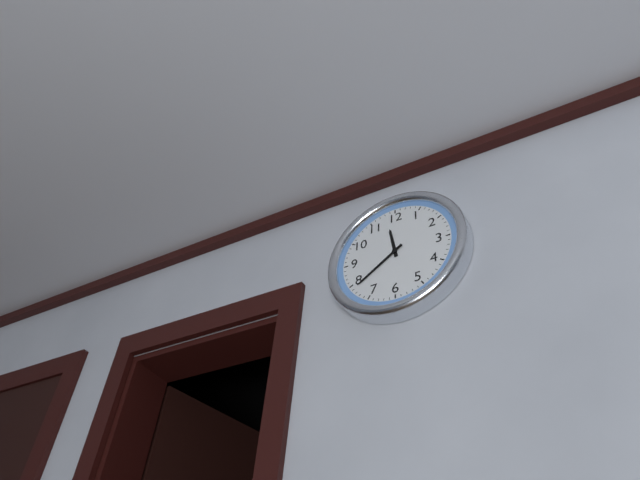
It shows 11.39
